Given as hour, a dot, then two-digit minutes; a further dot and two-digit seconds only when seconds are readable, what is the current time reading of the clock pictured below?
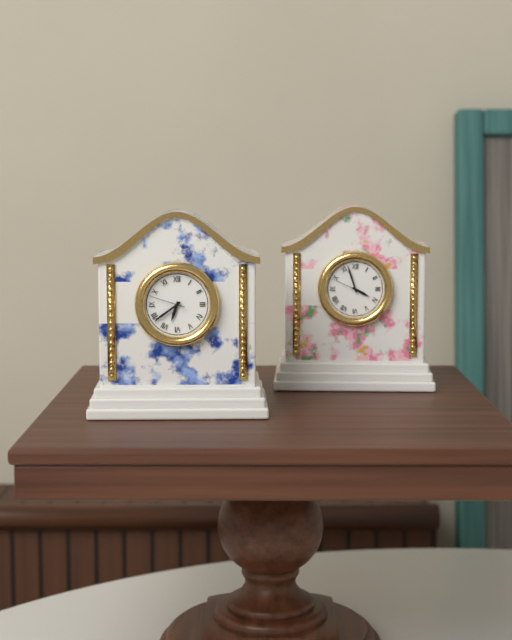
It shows 6.39
